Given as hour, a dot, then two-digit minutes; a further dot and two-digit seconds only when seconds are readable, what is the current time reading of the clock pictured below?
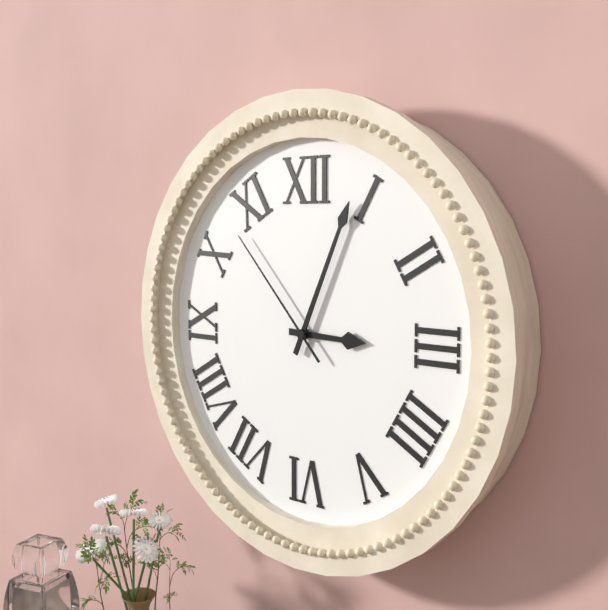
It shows 3.04.53
